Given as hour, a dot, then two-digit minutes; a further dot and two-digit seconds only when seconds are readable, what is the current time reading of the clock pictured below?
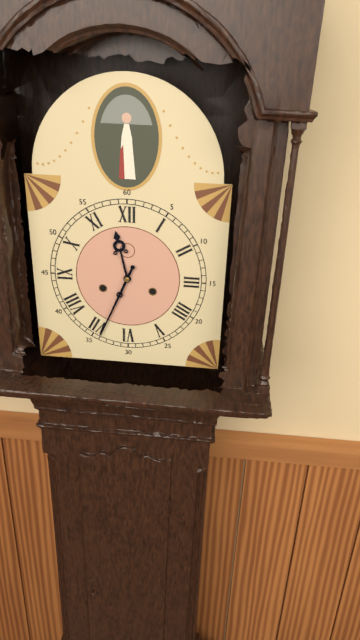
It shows 11.34
